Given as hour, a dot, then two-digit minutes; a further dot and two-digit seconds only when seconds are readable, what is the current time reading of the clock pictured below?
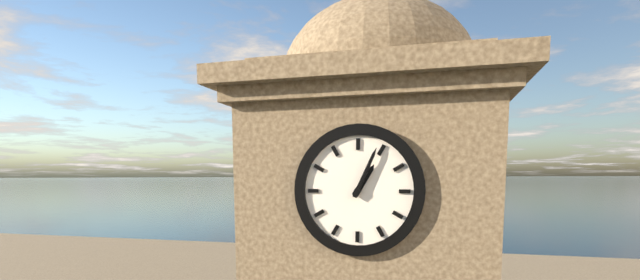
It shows 1.04
